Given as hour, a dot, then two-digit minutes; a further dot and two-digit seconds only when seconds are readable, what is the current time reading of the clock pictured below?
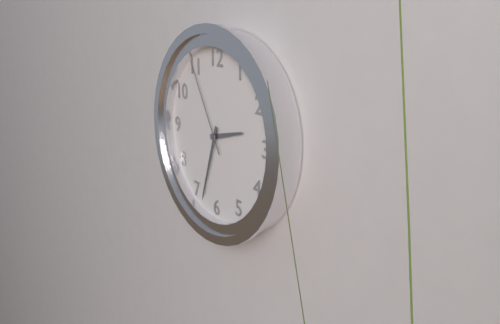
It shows 2.33.55
